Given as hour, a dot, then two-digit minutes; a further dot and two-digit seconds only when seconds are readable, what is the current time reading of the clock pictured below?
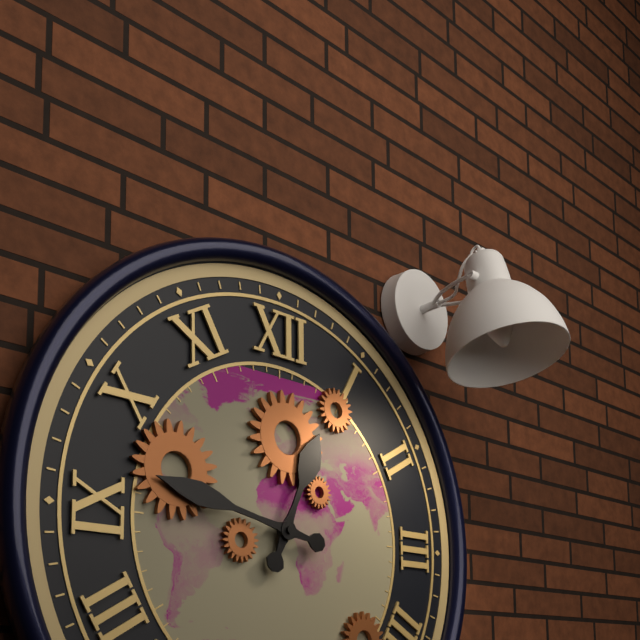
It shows 12.47
